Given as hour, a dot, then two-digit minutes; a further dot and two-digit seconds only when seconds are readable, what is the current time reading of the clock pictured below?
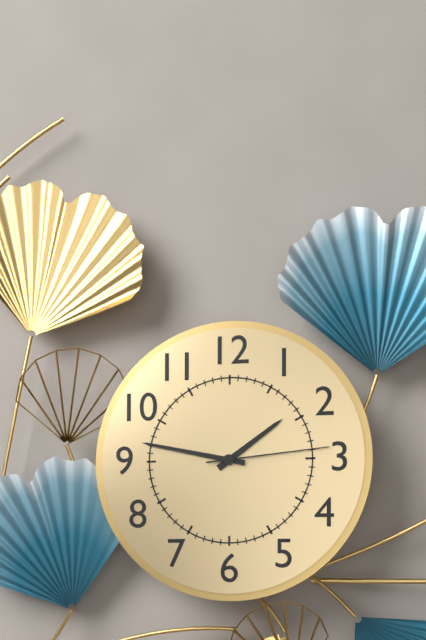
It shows 1.47.14
